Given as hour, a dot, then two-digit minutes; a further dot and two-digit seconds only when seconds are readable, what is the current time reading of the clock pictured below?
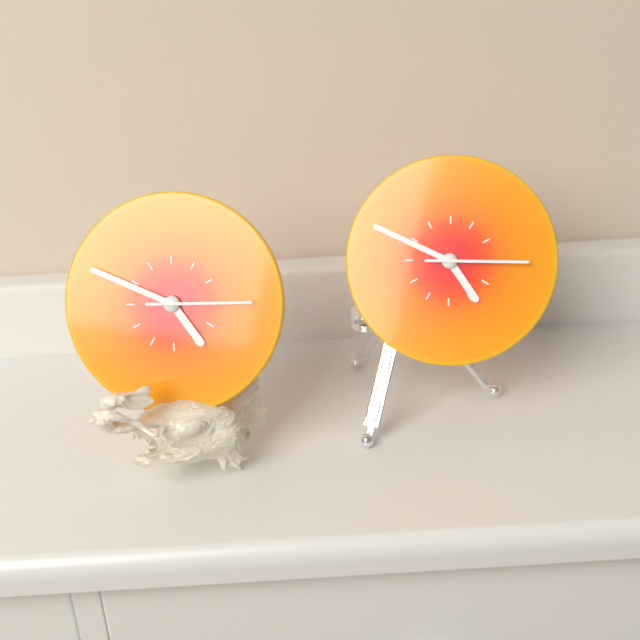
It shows 4.49.15
